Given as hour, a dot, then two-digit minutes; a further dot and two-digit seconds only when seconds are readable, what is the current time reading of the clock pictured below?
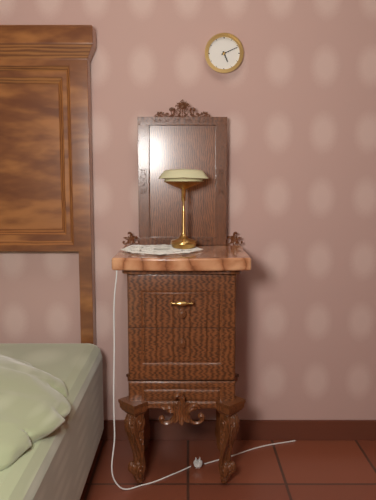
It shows 5.11
